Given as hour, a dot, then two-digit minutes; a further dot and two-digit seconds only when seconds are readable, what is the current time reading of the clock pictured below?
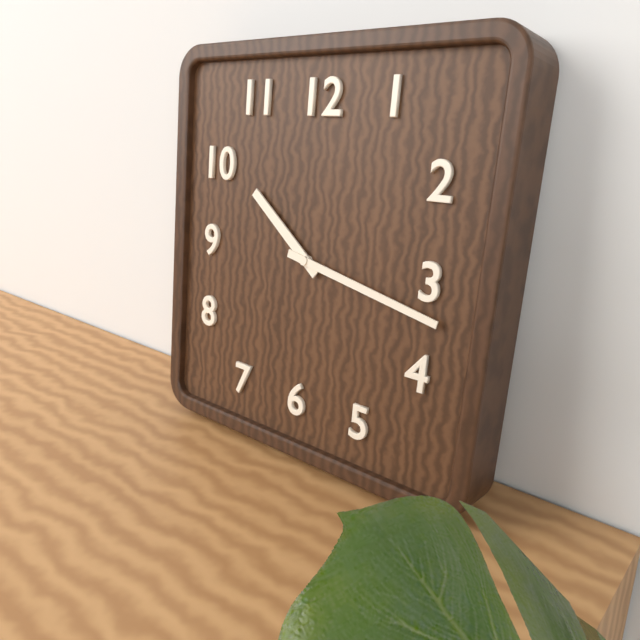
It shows 10.17
